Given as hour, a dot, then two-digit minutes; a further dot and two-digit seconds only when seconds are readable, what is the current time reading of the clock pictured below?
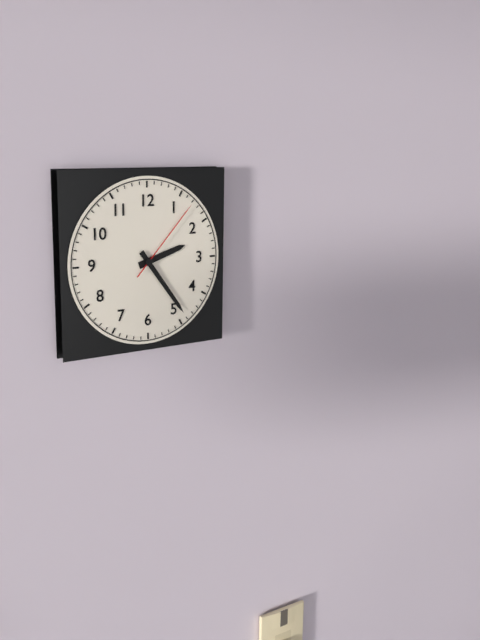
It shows 2.24.07
